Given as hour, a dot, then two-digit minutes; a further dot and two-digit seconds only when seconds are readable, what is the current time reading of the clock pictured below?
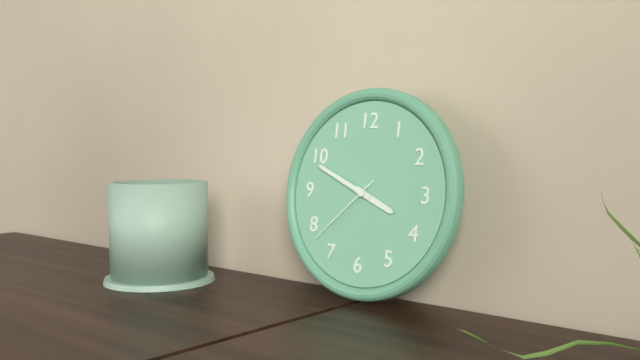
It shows 3.49.38
